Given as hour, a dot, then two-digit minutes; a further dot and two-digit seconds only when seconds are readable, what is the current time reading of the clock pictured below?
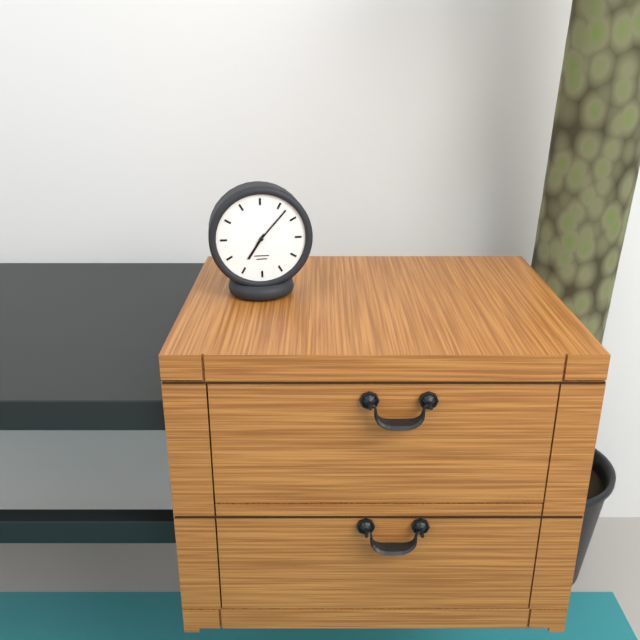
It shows 7.07
